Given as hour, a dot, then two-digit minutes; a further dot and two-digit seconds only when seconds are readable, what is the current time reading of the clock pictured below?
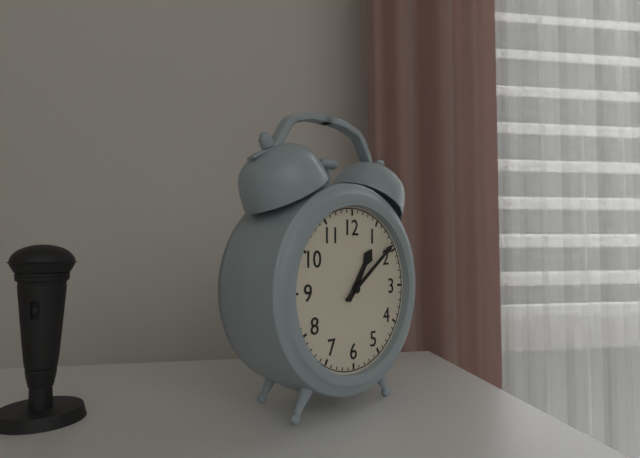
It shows 1.09
